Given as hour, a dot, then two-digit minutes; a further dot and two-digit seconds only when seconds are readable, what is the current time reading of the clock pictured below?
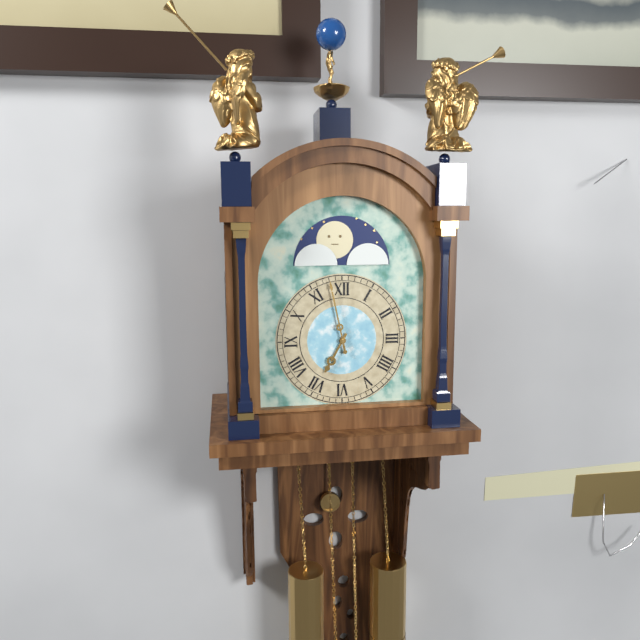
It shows 6.58
